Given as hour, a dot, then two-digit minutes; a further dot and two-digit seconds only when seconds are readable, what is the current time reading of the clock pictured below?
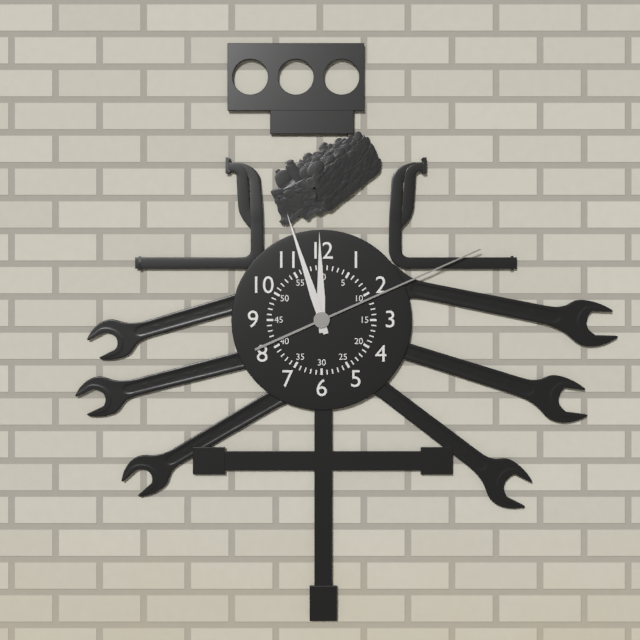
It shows 11.57.11
